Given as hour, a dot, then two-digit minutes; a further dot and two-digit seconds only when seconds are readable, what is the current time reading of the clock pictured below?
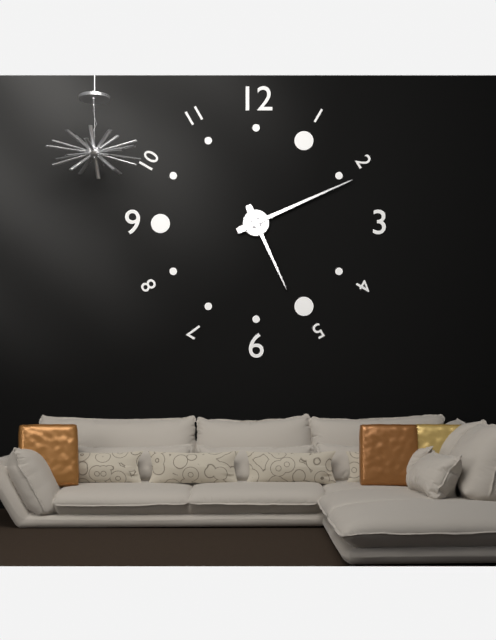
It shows 5.11
